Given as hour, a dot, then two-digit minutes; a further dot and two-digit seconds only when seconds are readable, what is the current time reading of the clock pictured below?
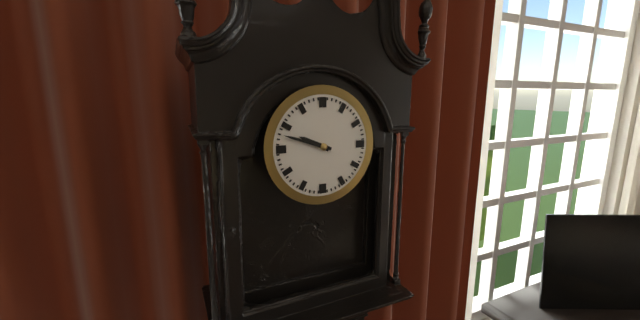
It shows 9.48
